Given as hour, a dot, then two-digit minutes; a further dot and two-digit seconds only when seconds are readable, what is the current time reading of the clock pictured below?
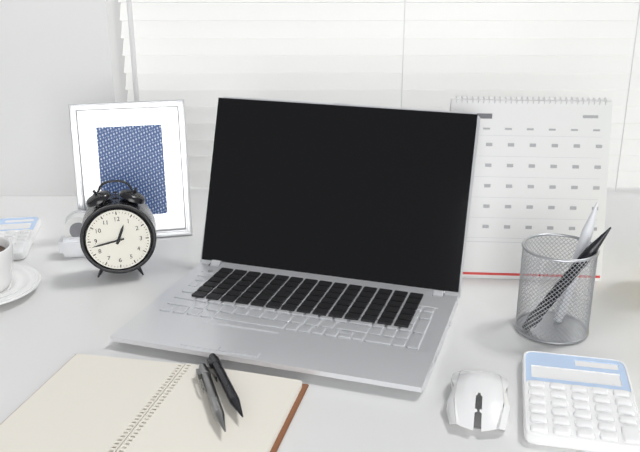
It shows 12.43
